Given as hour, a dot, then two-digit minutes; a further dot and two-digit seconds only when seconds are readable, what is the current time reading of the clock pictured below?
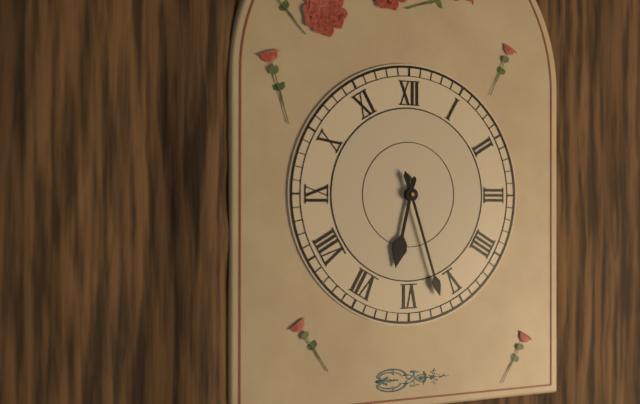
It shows 6.27
